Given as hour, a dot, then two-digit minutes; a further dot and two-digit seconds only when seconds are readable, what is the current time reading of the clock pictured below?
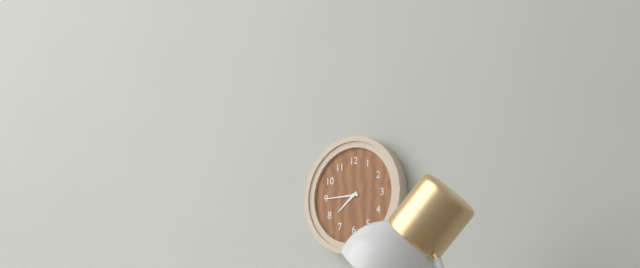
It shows 7.45
